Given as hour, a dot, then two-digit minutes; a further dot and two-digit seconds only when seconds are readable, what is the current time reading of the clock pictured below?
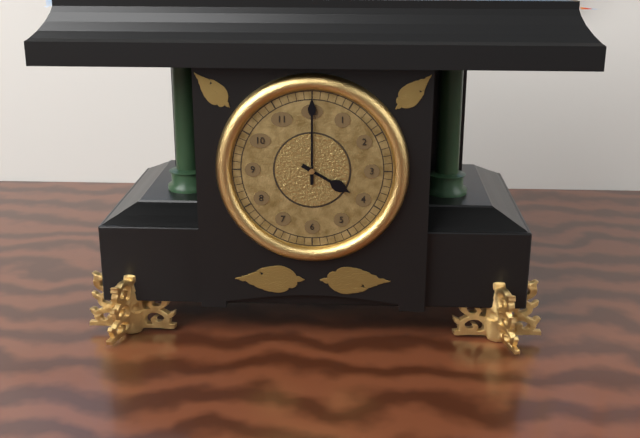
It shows 4.00
